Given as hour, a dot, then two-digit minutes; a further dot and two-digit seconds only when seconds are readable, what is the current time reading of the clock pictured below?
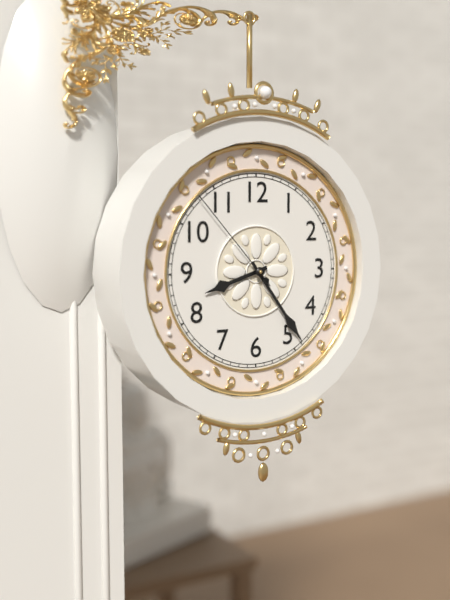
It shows 8.24.53
